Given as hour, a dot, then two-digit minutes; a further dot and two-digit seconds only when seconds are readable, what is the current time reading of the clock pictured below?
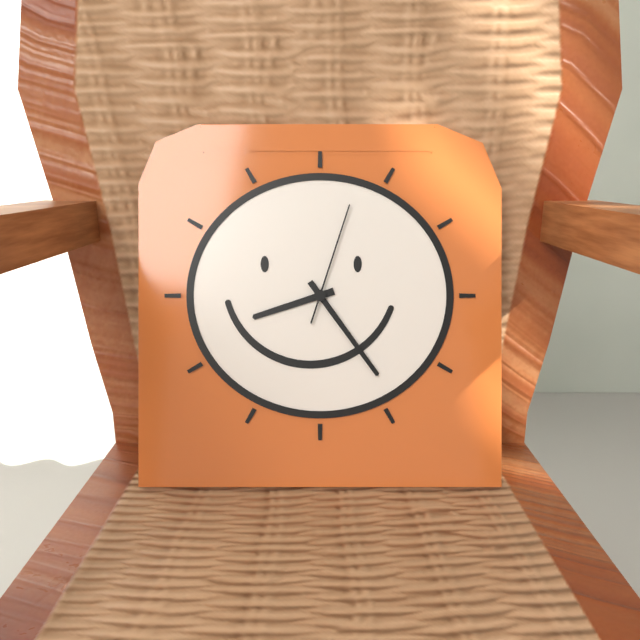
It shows 8.24.03
